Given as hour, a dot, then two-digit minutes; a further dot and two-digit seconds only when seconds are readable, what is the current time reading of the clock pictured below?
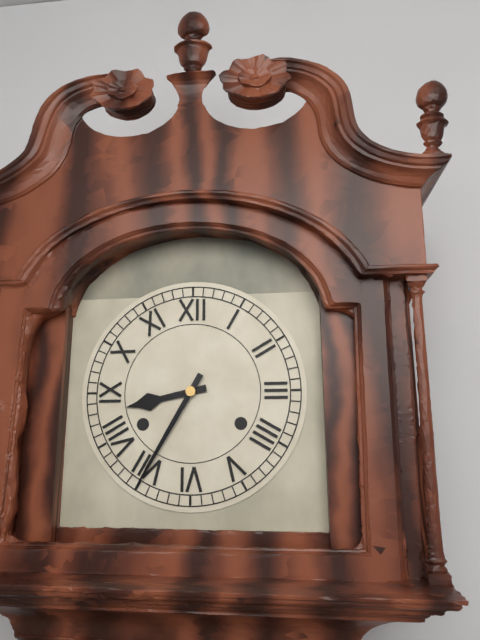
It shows 8.35
